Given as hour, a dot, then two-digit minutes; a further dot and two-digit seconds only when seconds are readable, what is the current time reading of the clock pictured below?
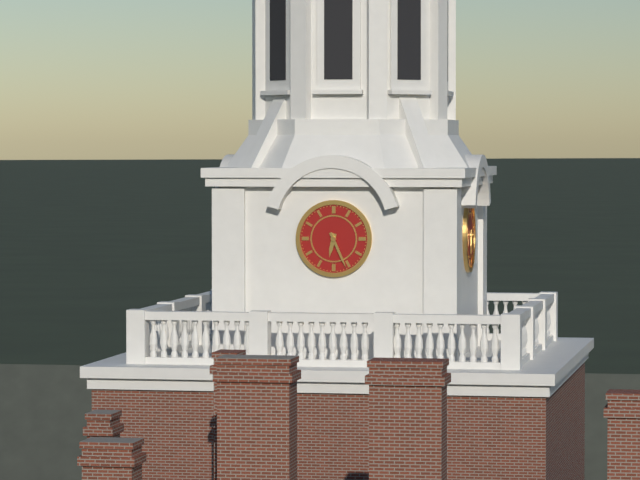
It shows 6.26
